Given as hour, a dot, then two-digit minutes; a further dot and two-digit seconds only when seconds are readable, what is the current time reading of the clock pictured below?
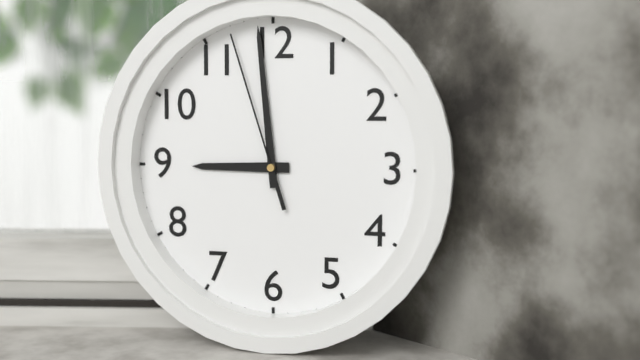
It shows 8.59.57
